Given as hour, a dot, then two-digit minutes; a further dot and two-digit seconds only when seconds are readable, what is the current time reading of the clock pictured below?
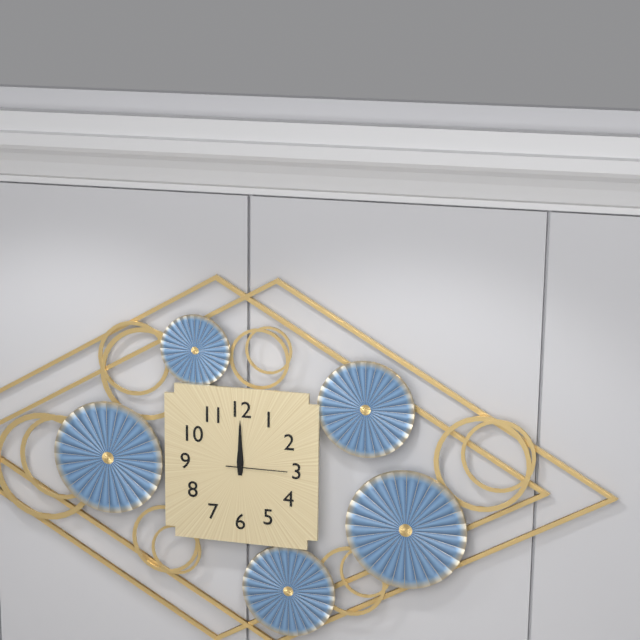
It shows 12.00.15
